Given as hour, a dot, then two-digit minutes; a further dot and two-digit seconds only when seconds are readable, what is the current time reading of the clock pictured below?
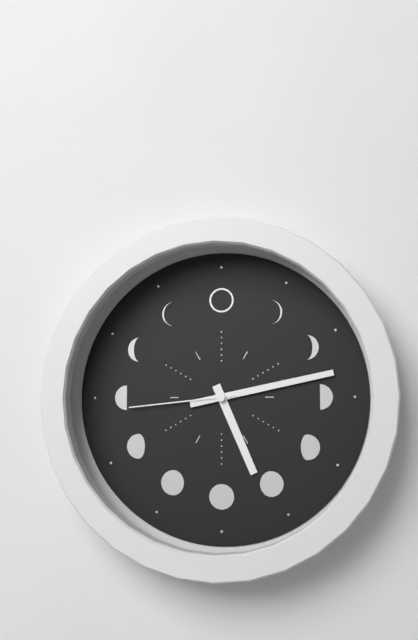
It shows 5.13.44
